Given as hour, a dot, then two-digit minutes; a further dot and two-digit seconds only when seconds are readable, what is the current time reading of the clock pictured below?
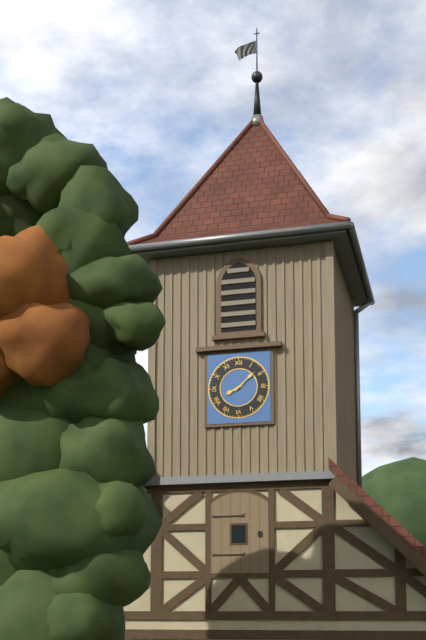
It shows 8.08
